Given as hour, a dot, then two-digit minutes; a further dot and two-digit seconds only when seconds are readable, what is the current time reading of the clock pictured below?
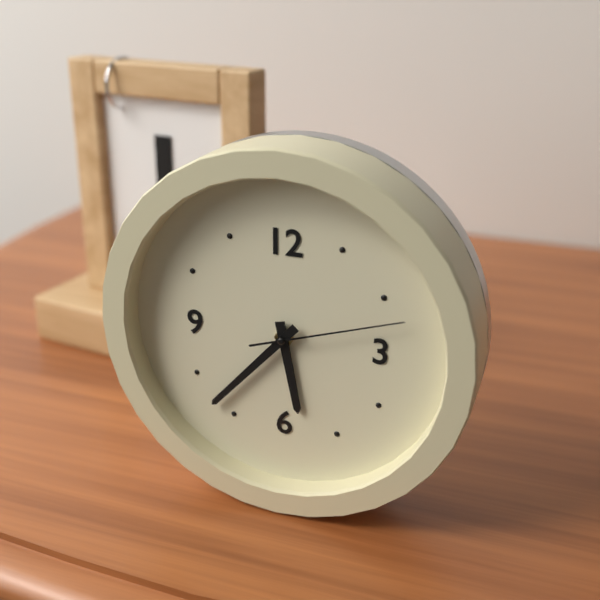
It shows 5.37.12
